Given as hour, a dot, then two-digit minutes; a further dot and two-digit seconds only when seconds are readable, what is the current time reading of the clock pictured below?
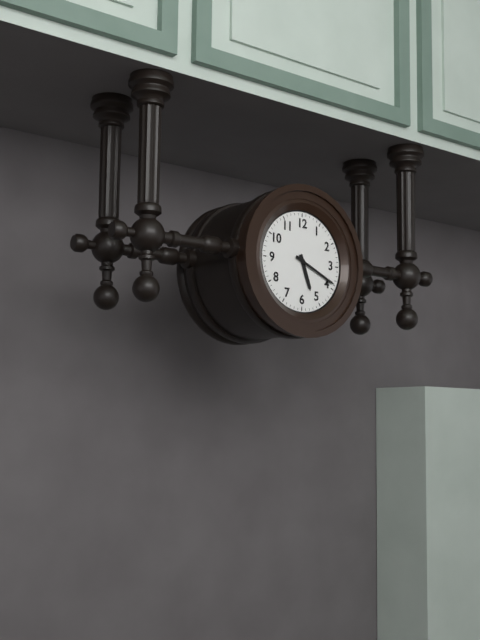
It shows 5.19
